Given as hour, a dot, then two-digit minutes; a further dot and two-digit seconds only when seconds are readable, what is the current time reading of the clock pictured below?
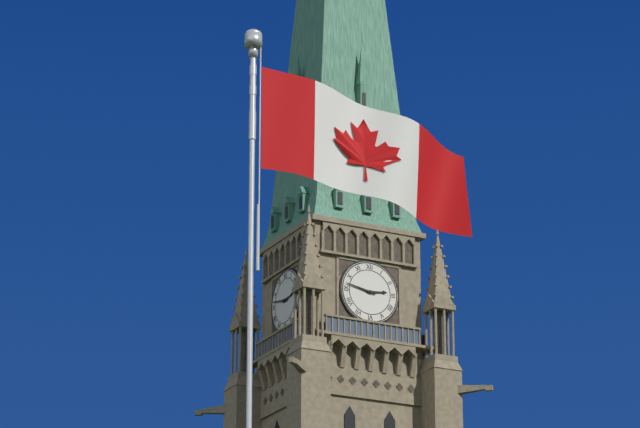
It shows 2.47
